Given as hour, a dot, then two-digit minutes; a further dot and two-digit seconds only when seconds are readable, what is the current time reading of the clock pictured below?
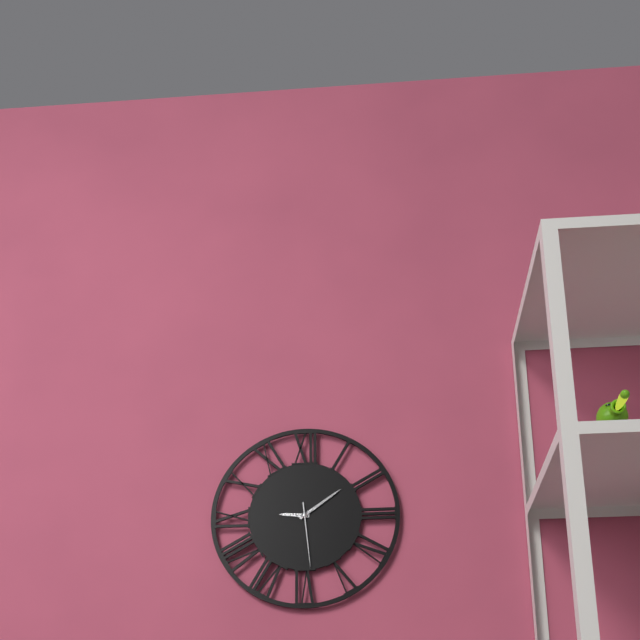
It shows 9.09.29
